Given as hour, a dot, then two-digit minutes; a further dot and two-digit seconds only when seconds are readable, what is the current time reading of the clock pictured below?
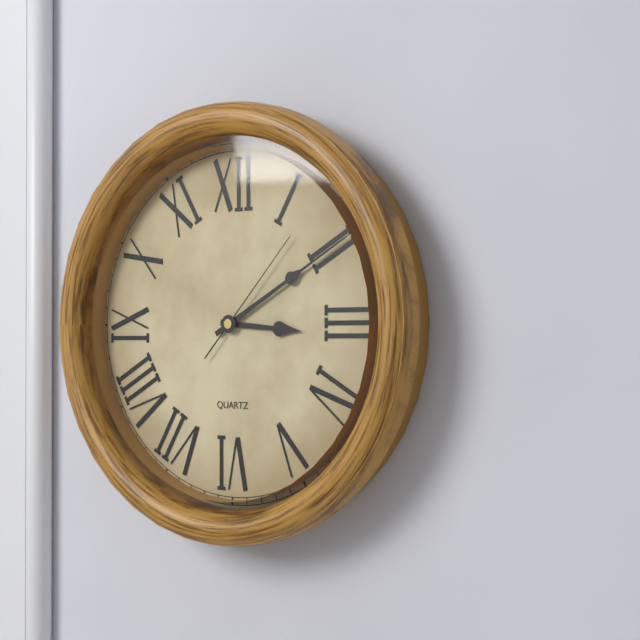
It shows 3.10.07
